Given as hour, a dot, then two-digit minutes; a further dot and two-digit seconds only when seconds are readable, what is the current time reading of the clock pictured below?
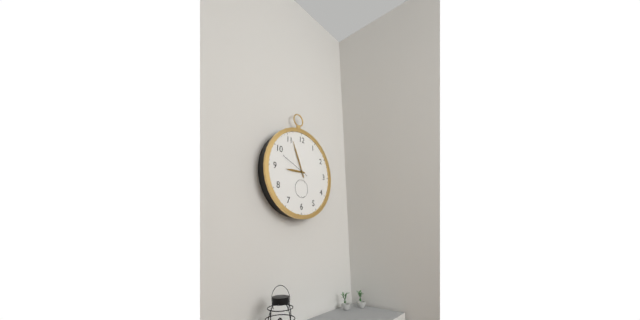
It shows 8.56
